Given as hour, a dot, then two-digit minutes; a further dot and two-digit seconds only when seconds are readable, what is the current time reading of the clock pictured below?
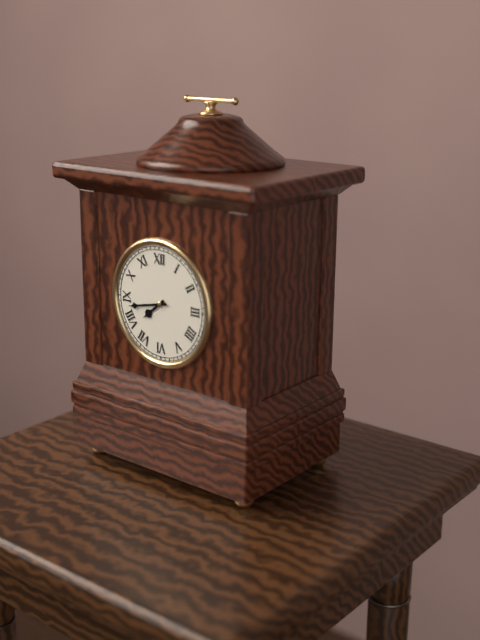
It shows 7.43
